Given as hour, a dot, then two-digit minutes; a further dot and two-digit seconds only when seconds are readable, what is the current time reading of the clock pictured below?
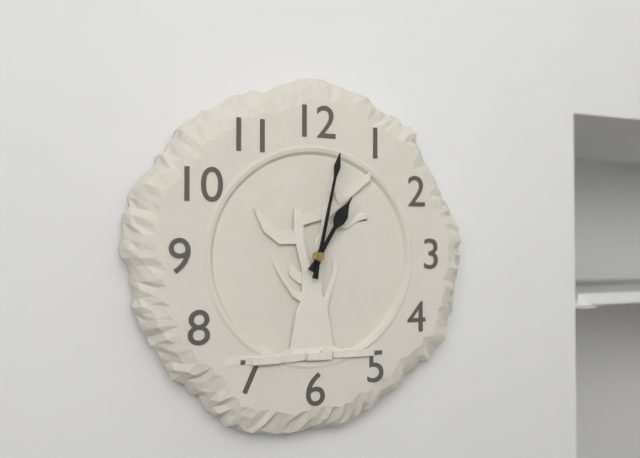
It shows 1.02
